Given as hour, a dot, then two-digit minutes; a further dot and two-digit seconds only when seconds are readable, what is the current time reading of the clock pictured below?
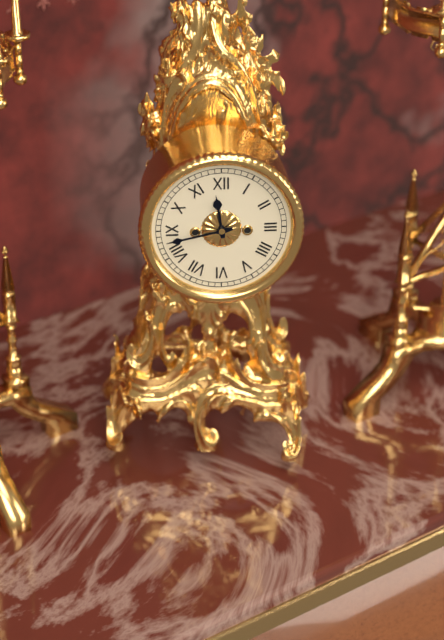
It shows 11.43
